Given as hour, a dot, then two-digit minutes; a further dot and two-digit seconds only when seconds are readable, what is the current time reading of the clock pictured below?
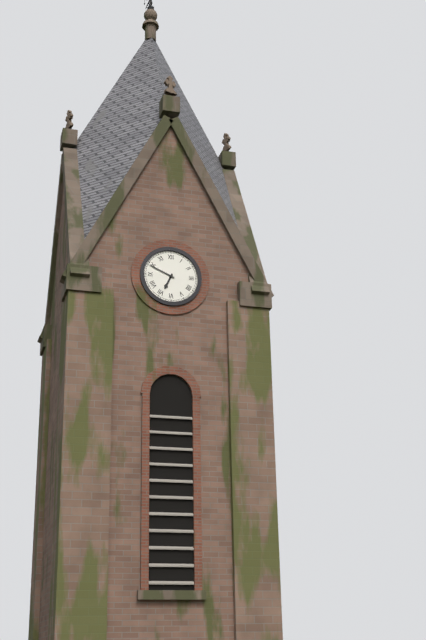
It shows 6.49
